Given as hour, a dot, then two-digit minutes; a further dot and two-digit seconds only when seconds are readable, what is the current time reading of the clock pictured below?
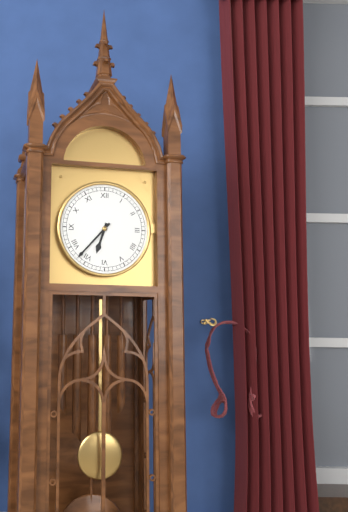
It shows 6.37
